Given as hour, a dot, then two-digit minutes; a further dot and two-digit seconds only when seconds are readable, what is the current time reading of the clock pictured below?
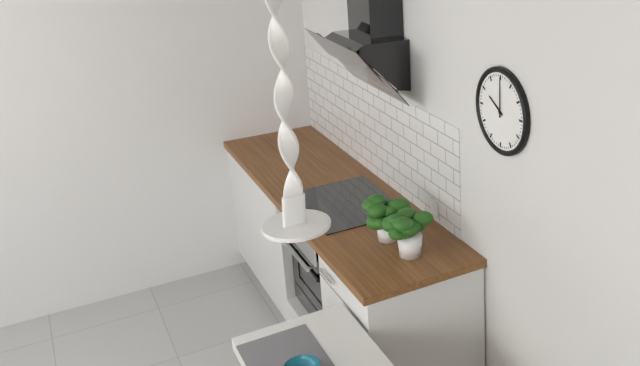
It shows 10.00
